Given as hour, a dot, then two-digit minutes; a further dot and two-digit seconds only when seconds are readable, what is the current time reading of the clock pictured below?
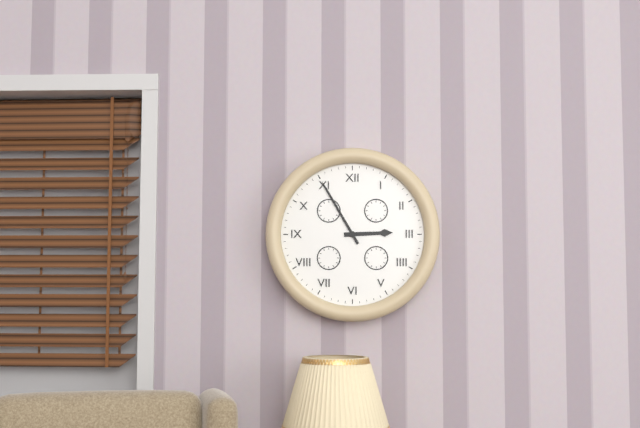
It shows 2.55
